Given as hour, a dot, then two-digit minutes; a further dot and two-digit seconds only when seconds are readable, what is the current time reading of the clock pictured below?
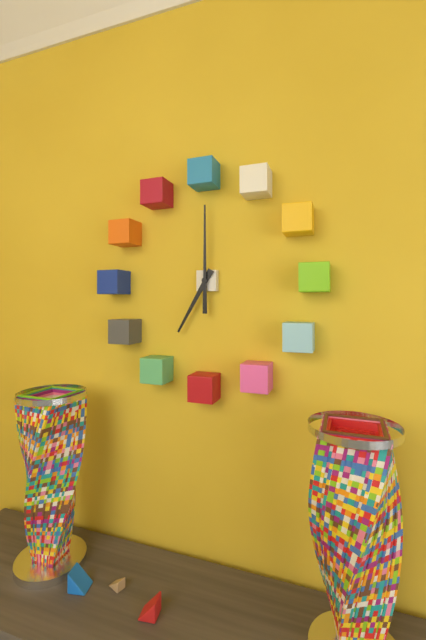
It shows 7.00
